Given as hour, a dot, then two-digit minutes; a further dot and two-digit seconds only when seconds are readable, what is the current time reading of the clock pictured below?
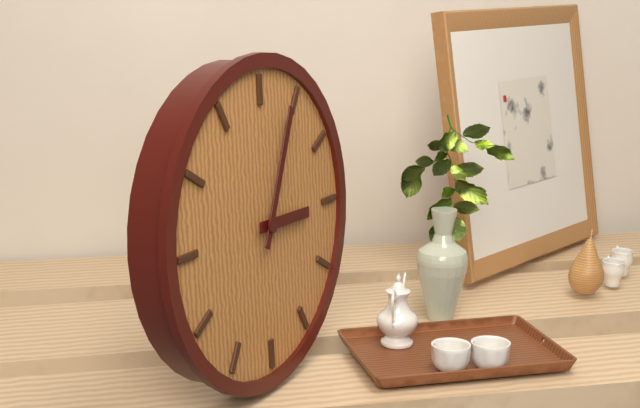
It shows 3.04
